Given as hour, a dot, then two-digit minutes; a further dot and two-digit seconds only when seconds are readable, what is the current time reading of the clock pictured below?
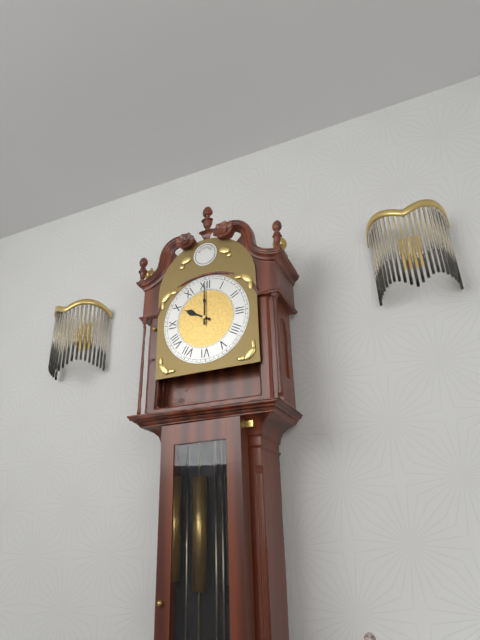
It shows 10.00
